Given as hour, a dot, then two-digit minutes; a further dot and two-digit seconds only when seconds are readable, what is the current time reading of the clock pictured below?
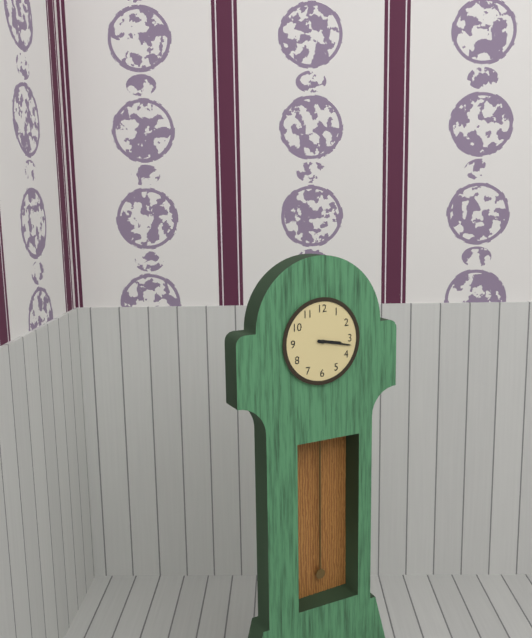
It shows 3.17
